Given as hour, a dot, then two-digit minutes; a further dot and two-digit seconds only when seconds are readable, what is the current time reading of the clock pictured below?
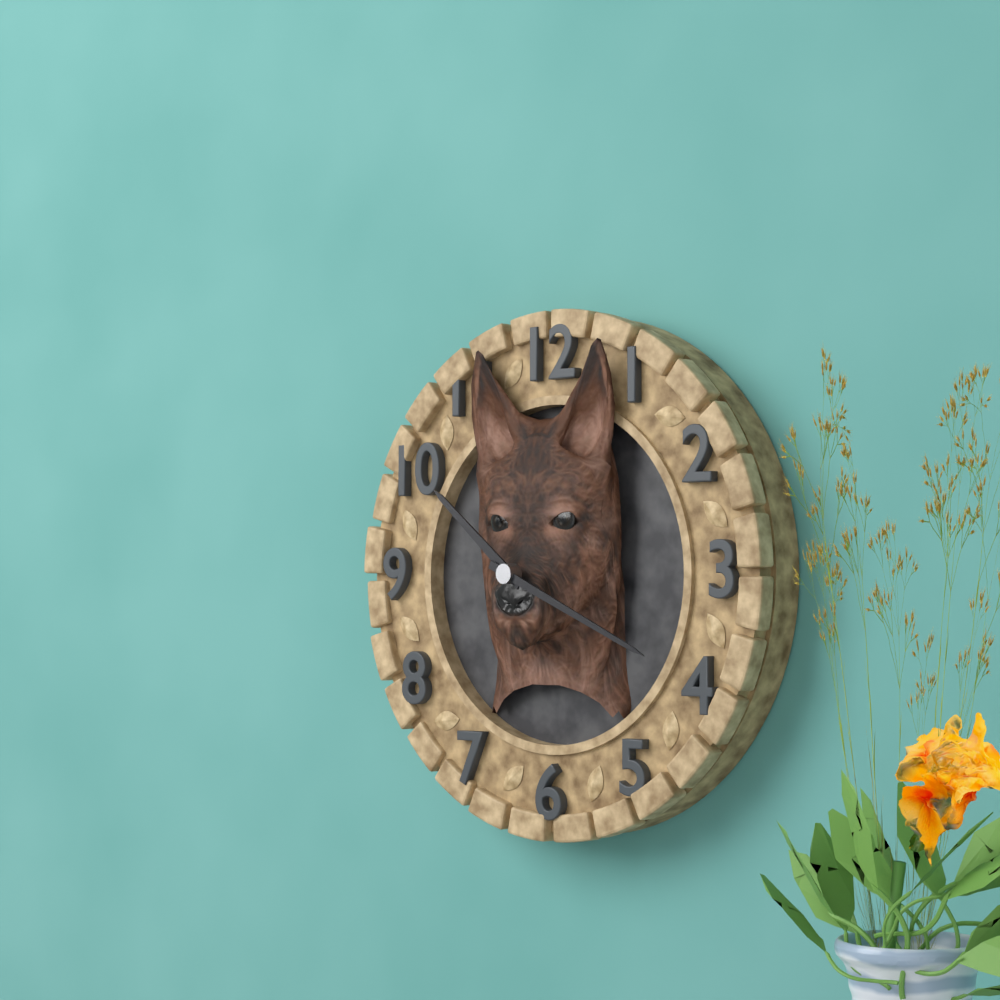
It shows 10.19
